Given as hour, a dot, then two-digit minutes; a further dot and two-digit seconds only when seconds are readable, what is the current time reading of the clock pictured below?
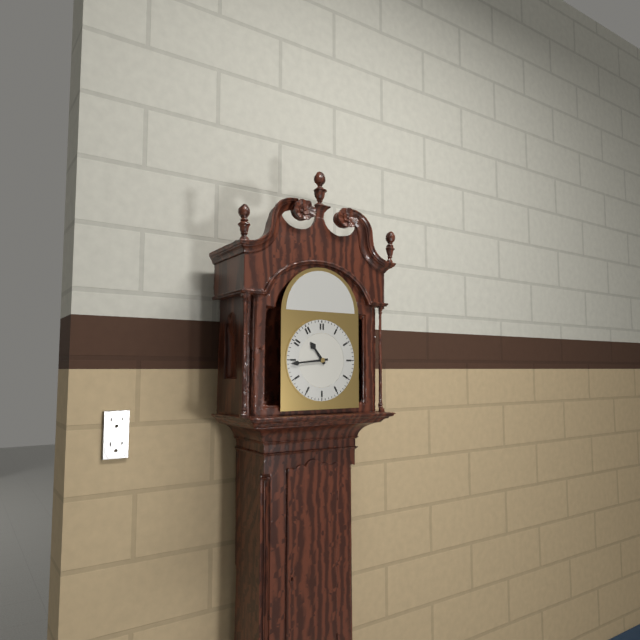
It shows 10.44
